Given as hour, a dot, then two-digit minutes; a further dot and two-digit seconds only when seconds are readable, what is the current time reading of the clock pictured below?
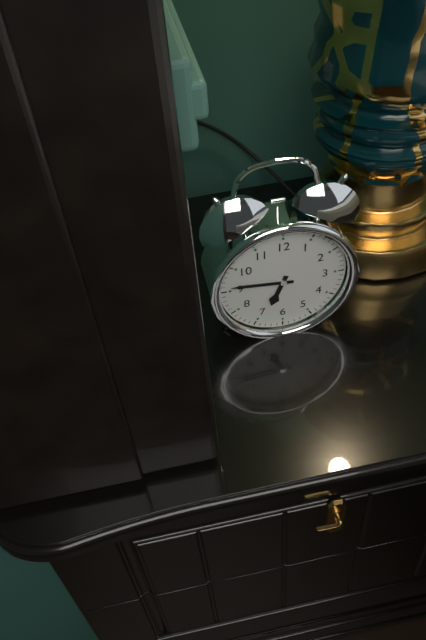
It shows 6.46
